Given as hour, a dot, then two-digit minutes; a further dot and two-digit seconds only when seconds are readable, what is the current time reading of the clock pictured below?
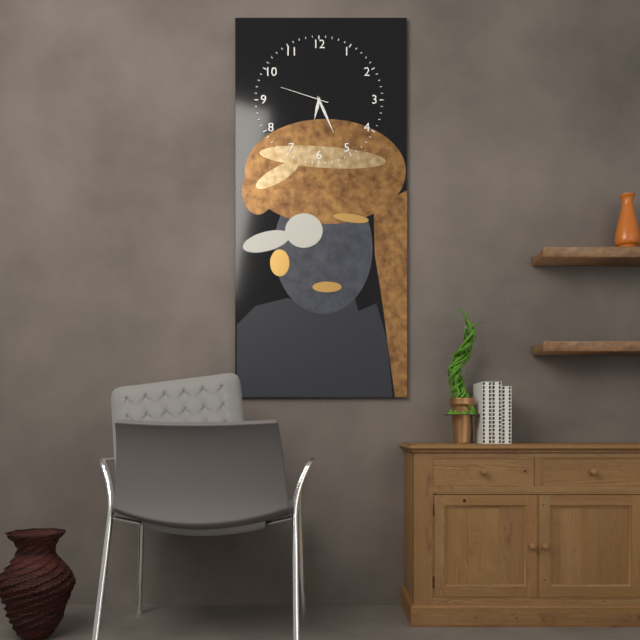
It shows 6.26
